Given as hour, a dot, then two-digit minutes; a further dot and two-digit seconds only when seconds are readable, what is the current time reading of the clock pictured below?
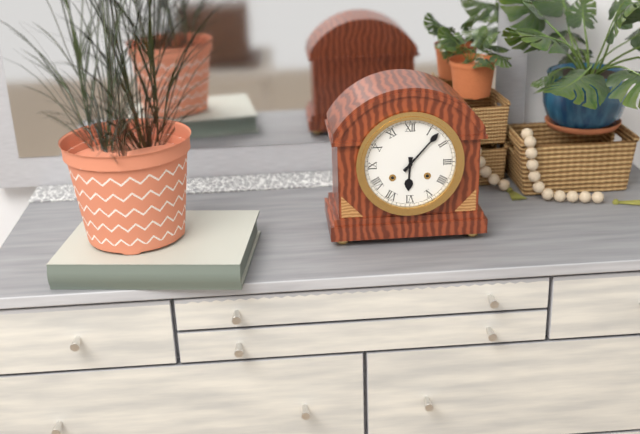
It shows 6.07
